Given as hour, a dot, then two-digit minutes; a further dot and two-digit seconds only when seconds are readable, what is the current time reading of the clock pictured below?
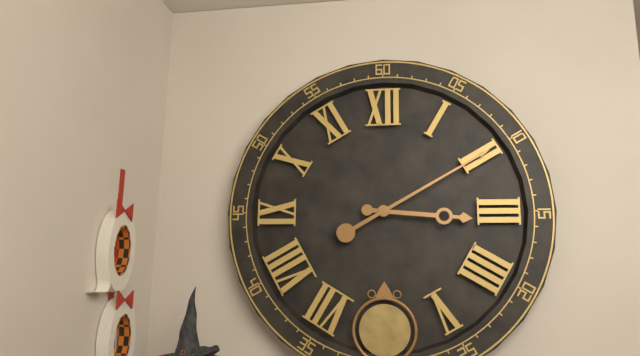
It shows 3.10
